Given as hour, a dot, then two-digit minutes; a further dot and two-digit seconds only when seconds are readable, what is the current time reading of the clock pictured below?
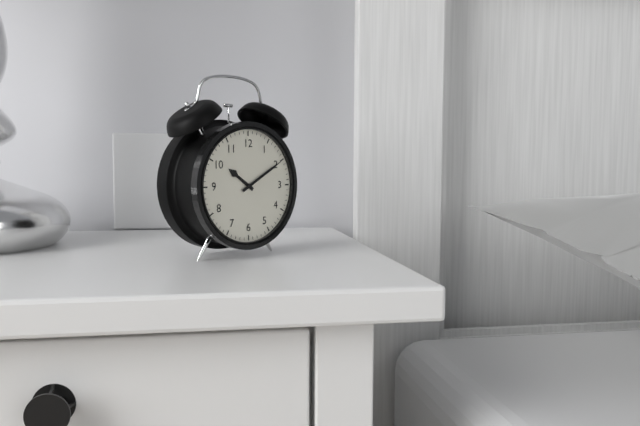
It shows 10.10
